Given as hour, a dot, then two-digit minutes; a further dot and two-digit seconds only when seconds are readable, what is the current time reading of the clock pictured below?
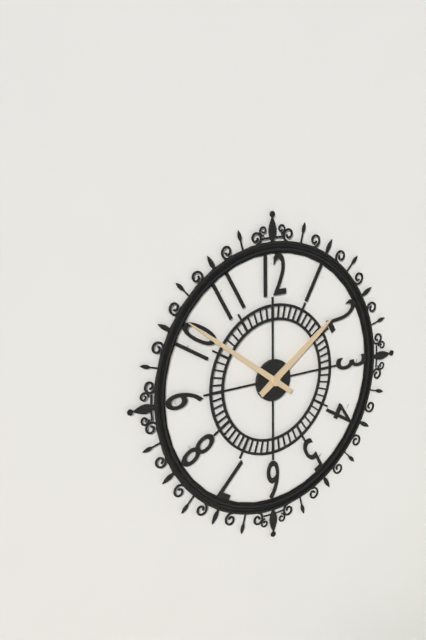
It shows 1.51
